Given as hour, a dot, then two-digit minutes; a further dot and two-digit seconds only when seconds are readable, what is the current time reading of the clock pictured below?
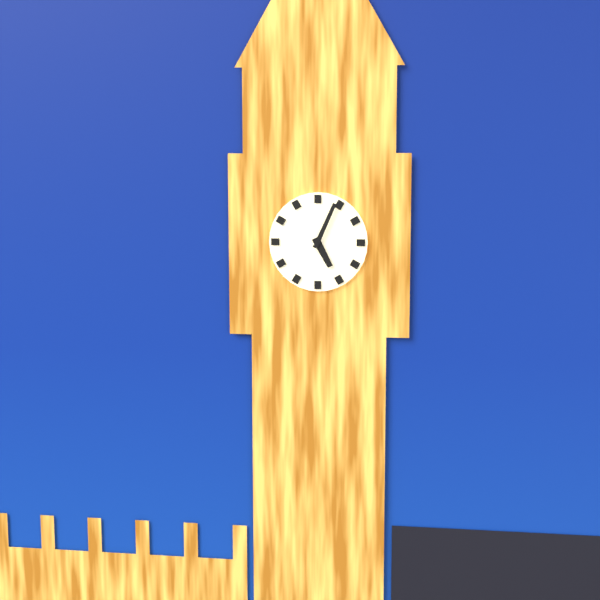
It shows 5.04
